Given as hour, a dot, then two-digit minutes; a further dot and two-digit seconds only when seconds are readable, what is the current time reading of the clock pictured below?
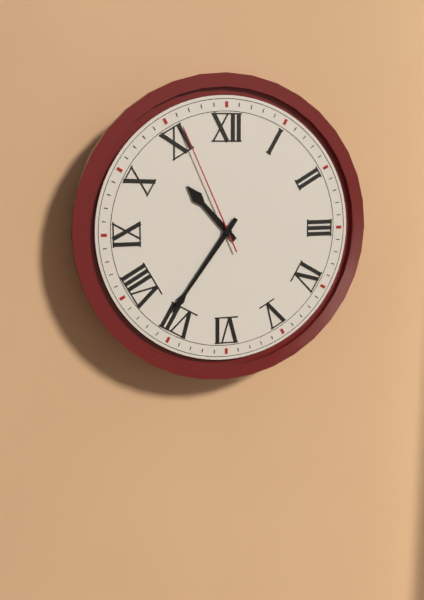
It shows 10.36.56
